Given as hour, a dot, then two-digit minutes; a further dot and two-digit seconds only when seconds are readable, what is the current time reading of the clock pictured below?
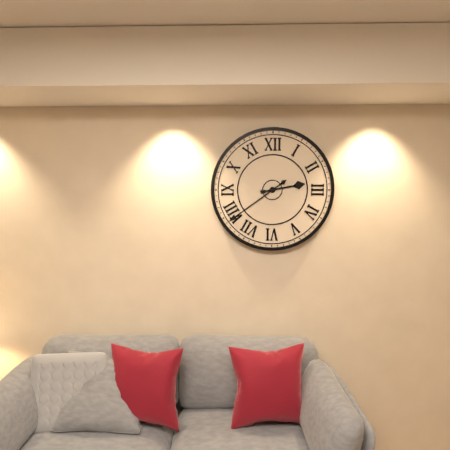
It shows 2.39
